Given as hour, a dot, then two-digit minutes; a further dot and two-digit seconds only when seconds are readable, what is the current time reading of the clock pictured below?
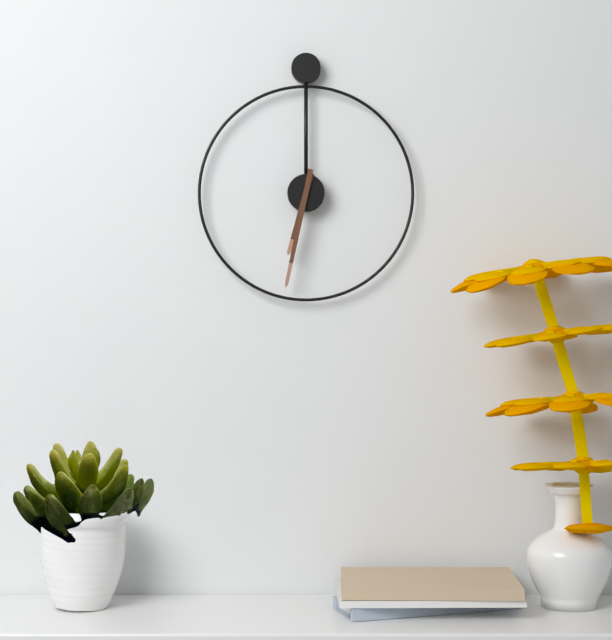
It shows 6.32
